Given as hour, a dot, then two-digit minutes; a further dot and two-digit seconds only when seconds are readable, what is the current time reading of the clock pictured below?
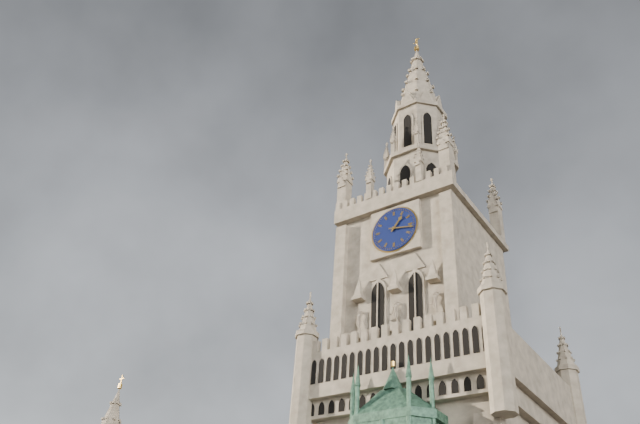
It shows 1.17
